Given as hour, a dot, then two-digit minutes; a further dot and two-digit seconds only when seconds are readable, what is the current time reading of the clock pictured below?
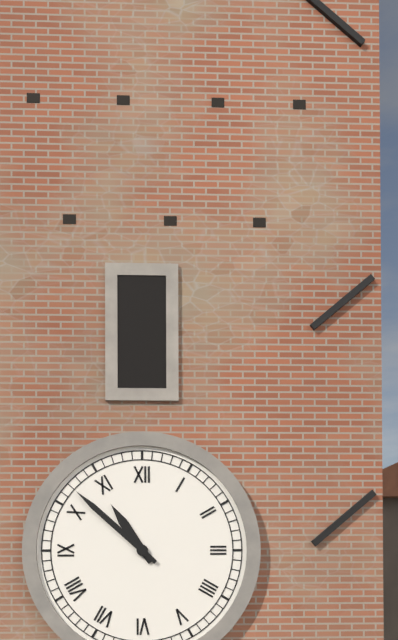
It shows 10.52
